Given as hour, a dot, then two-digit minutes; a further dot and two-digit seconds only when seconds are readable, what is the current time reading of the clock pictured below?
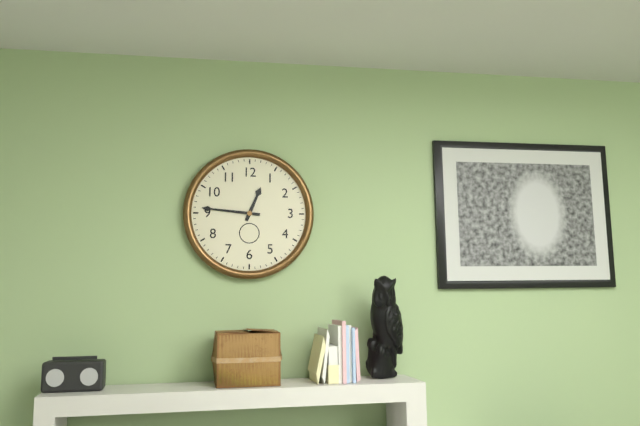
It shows 12.46
